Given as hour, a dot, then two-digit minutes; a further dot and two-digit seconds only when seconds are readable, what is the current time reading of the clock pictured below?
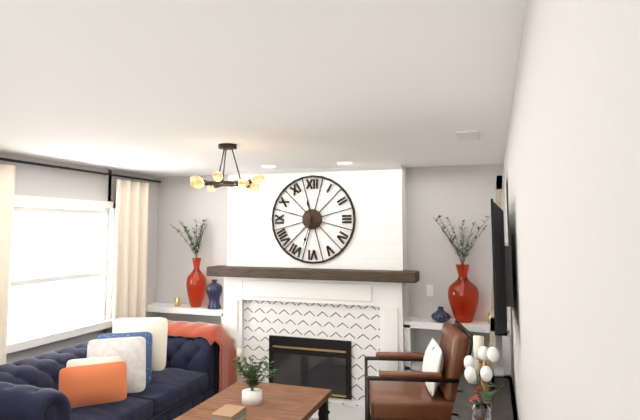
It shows 11.33
